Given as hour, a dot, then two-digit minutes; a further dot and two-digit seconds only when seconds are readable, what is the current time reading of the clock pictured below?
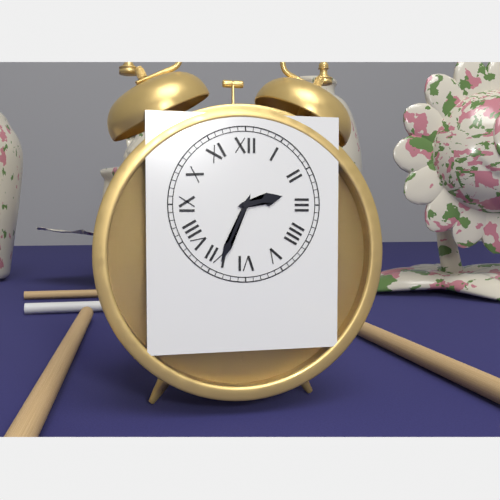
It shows 2.34
